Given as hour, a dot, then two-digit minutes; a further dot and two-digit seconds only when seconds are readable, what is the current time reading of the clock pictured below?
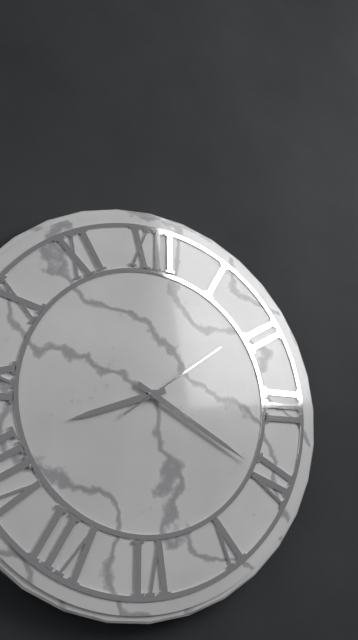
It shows 8.20.09
